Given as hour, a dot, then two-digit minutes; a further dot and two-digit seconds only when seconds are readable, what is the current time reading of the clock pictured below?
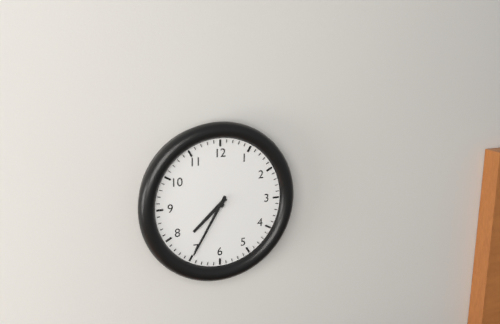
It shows 7.35
